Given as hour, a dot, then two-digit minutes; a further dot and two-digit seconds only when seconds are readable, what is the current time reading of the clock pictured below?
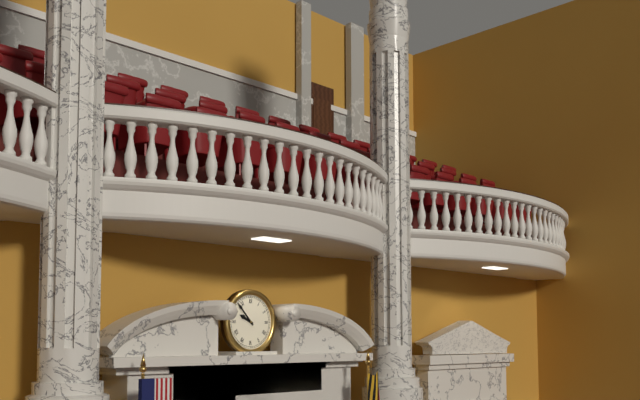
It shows 9.53
